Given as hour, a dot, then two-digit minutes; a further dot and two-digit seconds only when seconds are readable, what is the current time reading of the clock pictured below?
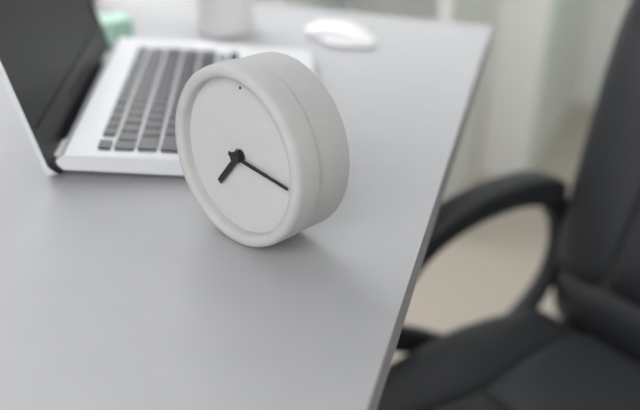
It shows 7.16
